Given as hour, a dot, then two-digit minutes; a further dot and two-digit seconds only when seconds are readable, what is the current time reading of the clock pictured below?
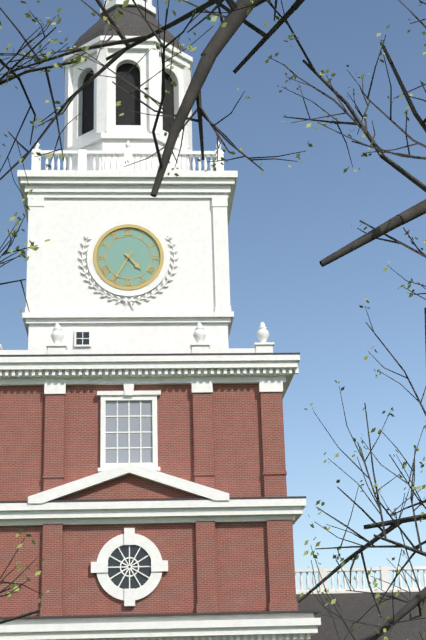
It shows 4.35
